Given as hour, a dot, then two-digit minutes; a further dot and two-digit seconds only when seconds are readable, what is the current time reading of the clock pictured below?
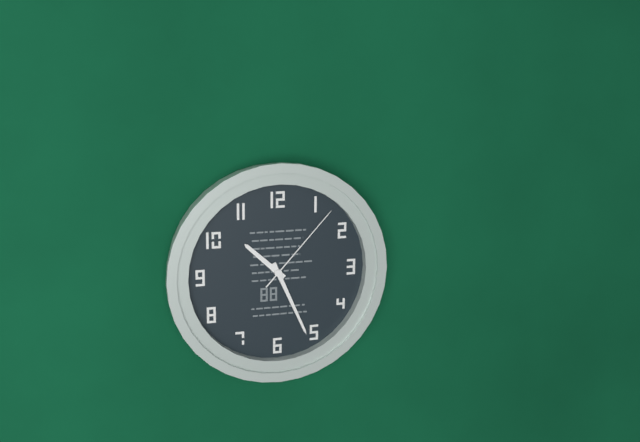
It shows 10.26.07
